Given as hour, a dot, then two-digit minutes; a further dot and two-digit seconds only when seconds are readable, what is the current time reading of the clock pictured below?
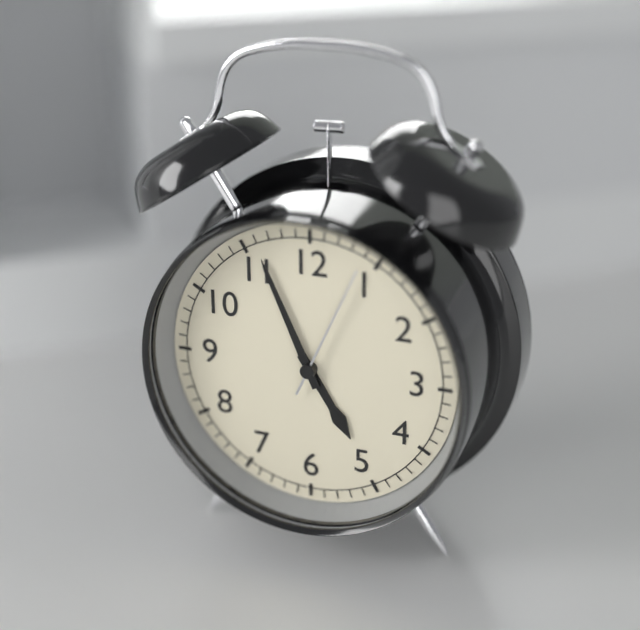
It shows 4.56.04
